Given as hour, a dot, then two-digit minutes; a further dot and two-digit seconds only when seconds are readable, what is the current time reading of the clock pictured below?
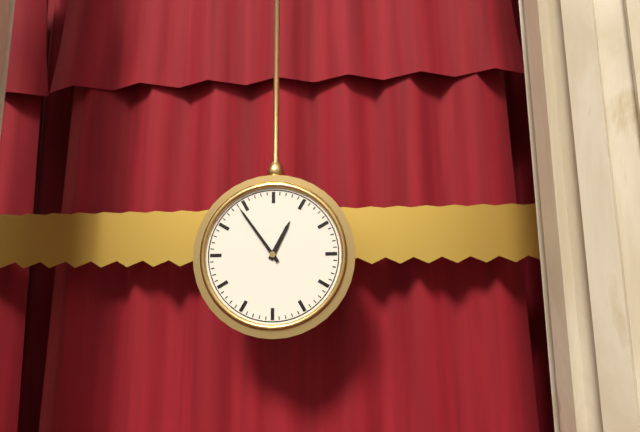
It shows 12.54
